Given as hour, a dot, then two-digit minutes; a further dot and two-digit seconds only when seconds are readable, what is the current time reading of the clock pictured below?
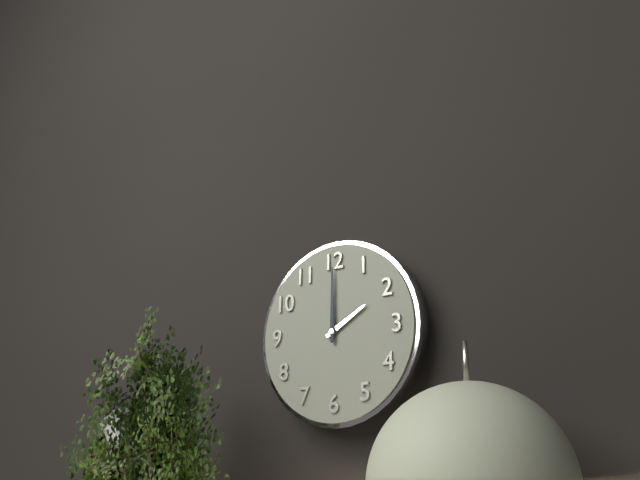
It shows 2.00
